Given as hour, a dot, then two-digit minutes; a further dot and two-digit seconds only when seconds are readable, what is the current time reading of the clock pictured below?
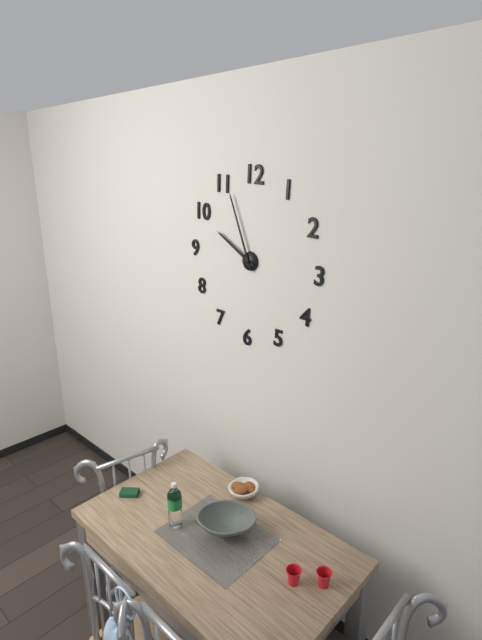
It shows 9.56
